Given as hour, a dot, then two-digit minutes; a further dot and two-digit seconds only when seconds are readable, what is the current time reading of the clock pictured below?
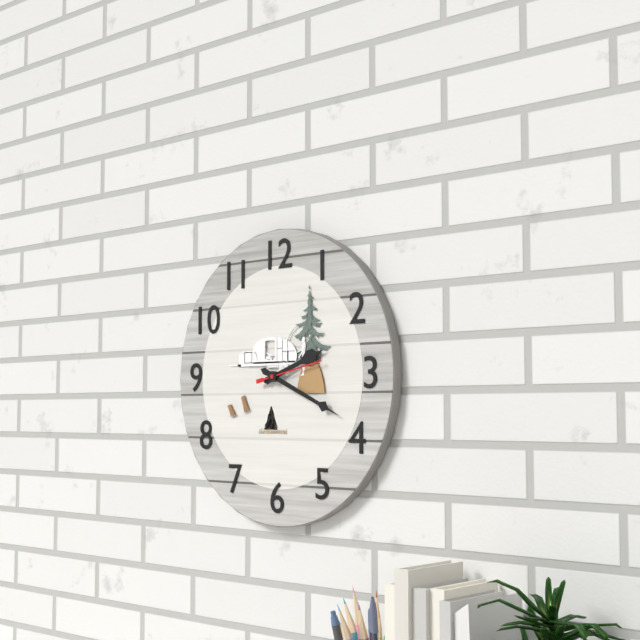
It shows 2.19.13
